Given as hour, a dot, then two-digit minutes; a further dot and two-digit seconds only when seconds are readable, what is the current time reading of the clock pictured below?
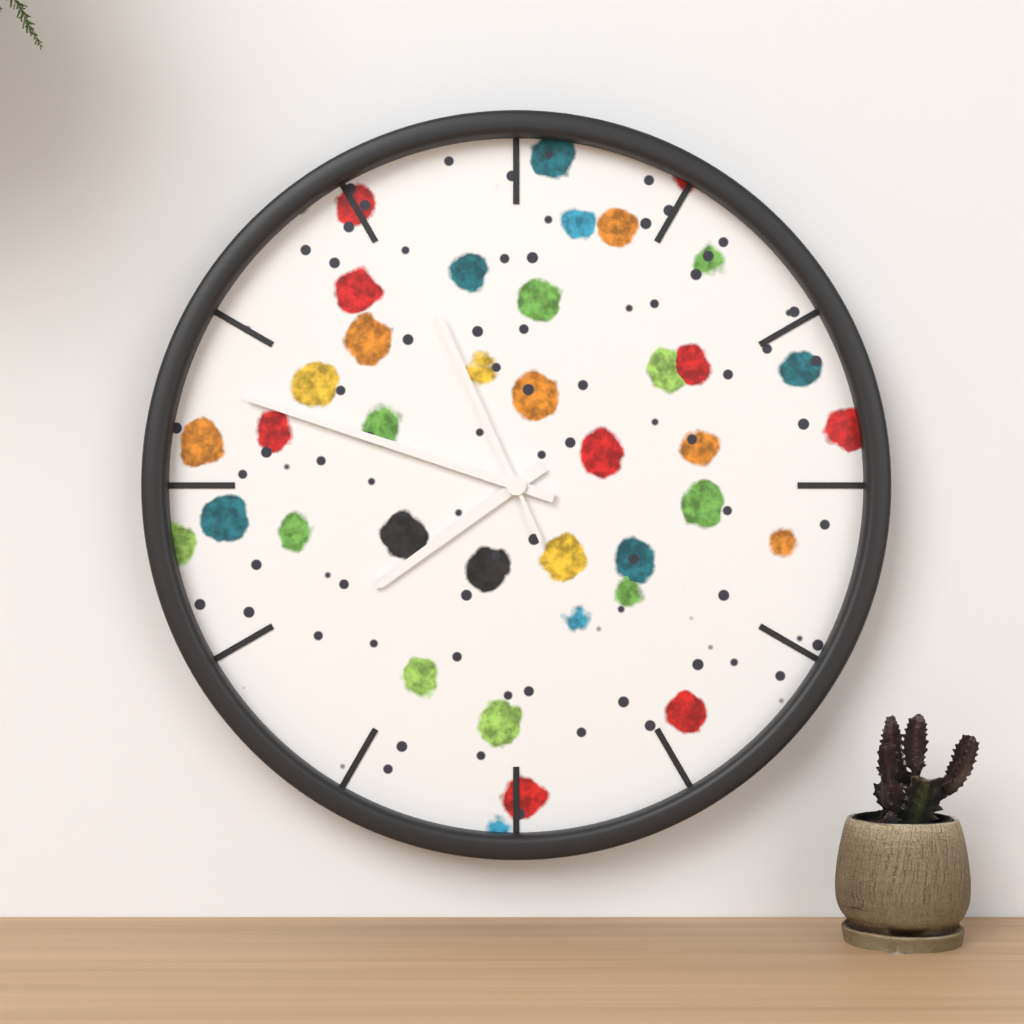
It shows 7.48.56
